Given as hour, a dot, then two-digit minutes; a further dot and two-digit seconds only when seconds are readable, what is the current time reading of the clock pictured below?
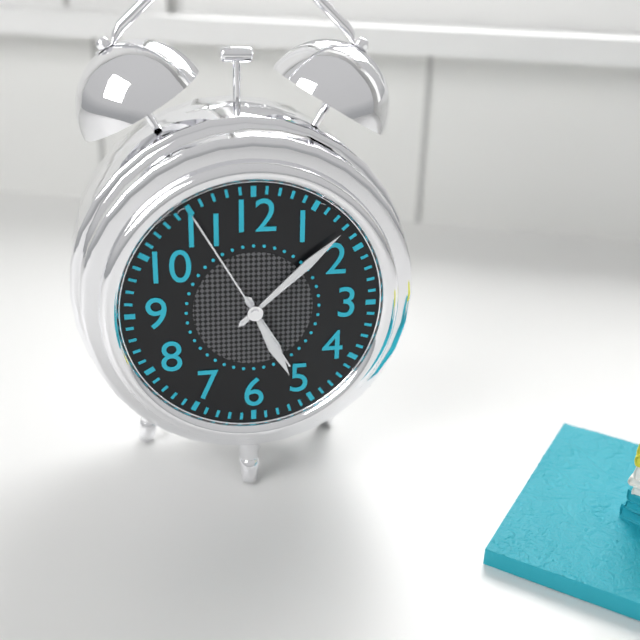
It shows 5.08.55
